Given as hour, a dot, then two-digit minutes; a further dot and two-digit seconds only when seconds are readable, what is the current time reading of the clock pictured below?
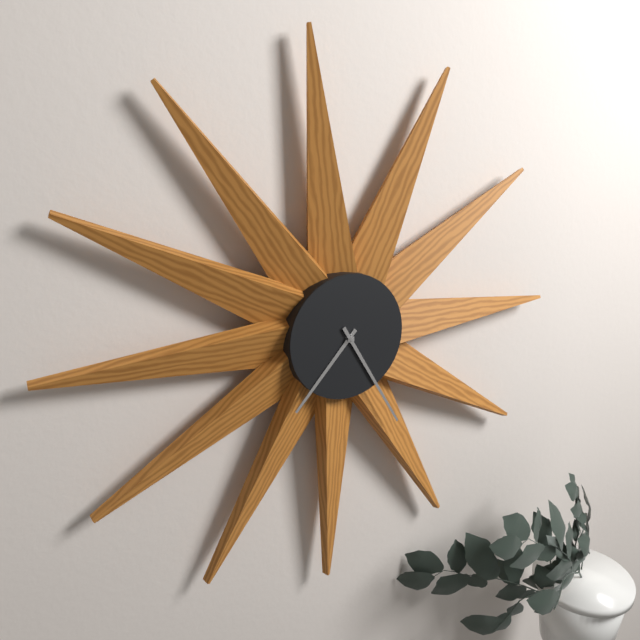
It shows 7.25
